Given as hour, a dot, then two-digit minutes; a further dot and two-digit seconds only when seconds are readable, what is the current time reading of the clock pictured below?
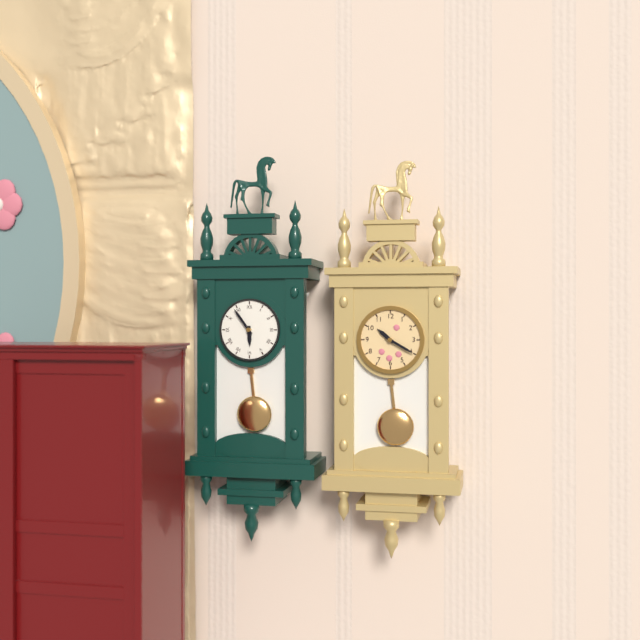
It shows 5.54
